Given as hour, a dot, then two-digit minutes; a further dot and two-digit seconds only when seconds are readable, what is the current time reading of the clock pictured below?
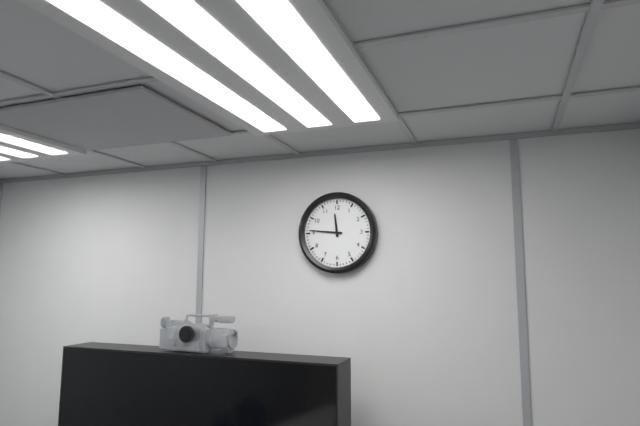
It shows 11.46
